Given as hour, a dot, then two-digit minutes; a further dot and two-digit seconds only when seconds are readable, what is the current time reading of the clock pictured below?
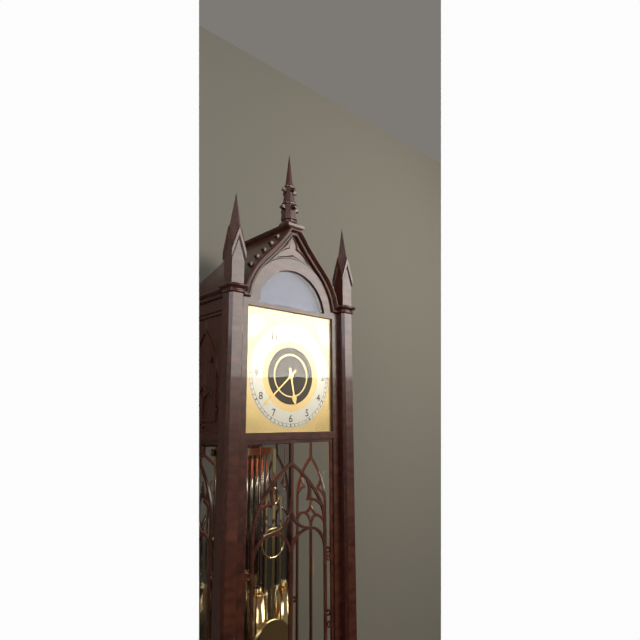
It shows 5.38
